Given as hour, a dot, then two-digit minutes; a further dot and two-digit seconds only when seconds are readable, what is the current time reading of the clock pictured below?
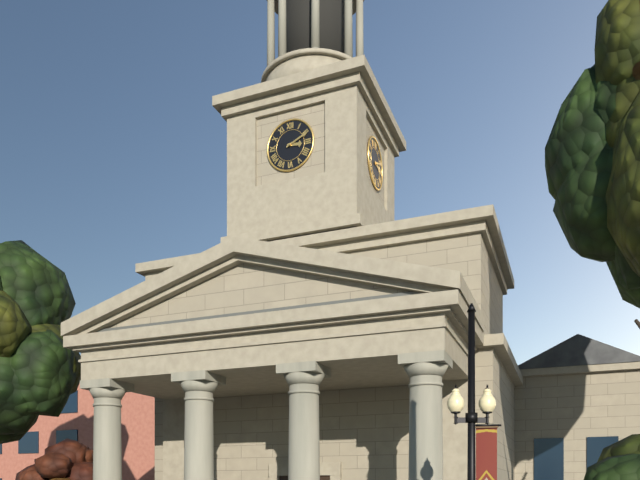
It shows 3.11
